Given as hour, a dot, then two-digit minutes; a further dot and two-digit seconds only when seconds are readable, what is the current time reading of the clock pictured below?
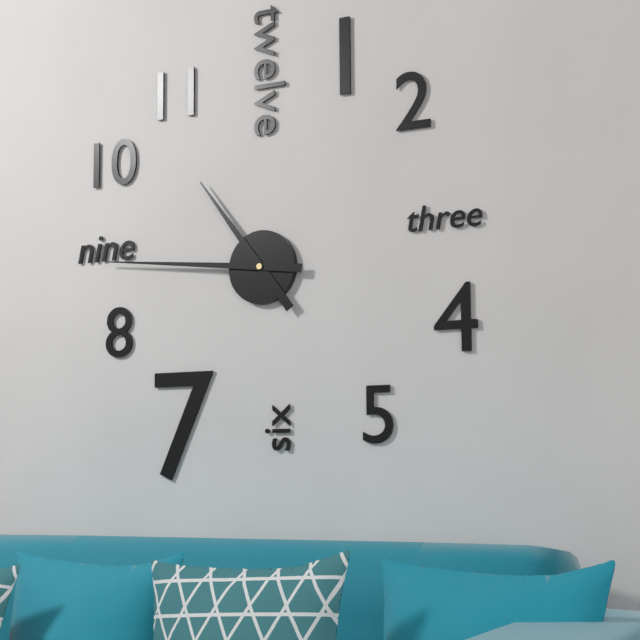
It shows 10.46
